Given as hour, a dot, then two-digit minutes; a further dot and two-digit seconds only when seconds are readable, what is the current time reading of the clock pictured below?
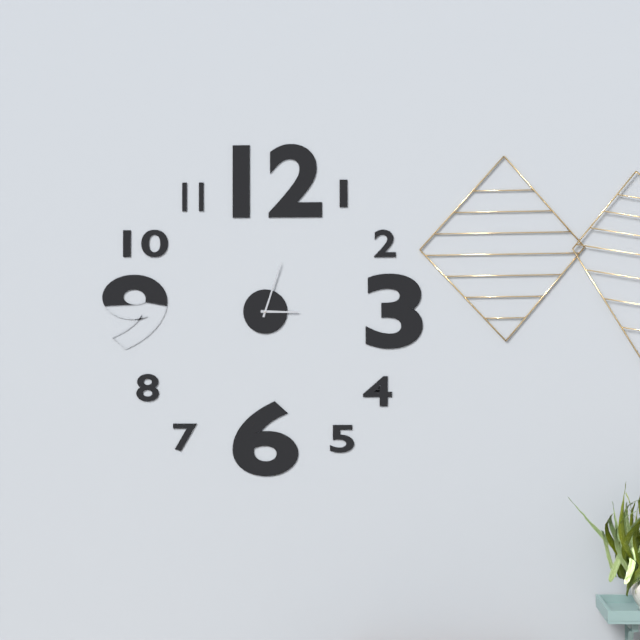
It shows 3.03
